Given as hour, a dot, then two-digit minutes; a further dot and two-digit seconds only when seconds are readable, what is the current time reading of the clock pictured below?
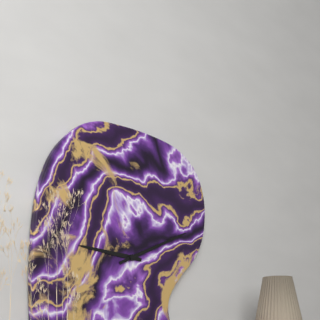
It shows 9.11
